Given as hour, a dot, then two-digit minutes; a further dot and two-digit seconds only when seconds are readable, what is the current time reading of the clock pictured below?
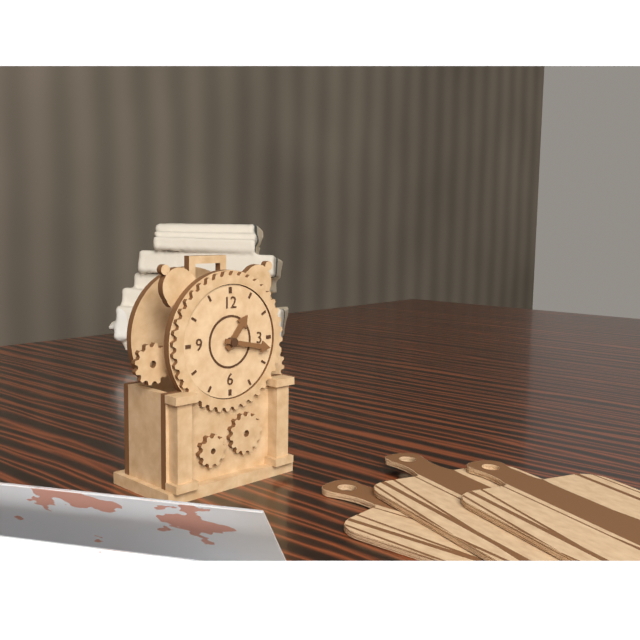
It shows 1.17
